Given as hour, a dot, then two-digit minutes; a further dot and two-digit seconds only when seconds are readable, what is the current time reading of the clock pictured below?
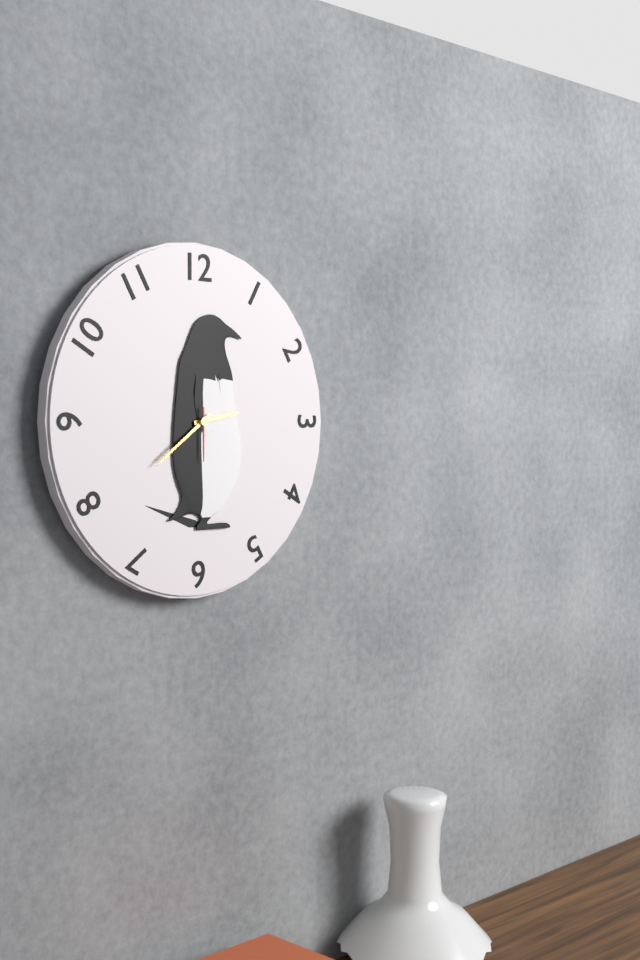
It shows 2.39.30
